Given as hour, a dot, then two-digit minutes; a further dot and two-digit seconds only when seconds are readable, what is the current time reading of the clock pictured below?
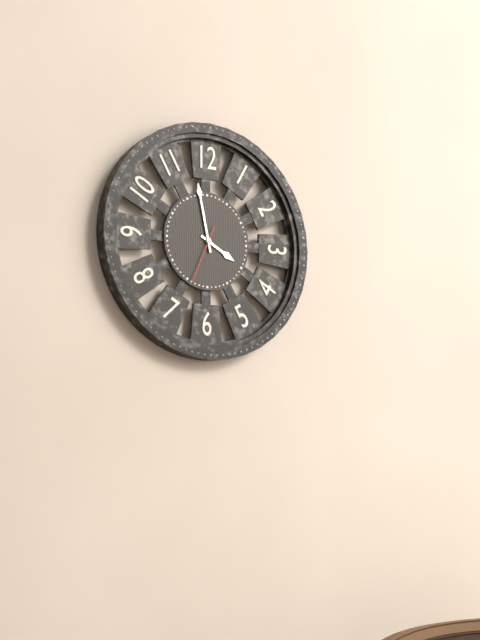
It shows 3.58
